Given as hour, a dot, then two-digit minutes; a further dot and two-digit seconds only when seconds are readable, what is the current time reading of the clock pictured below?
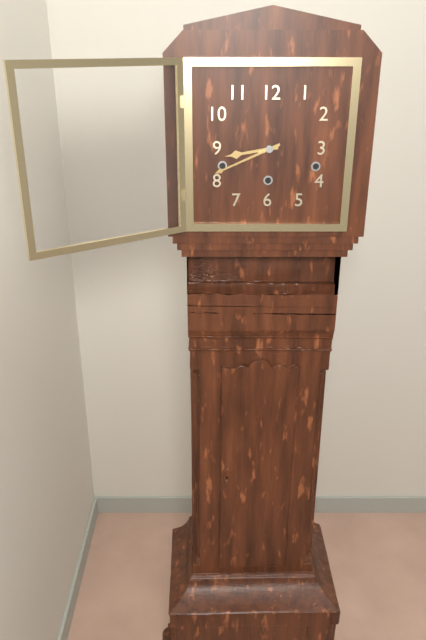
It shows 8.41
